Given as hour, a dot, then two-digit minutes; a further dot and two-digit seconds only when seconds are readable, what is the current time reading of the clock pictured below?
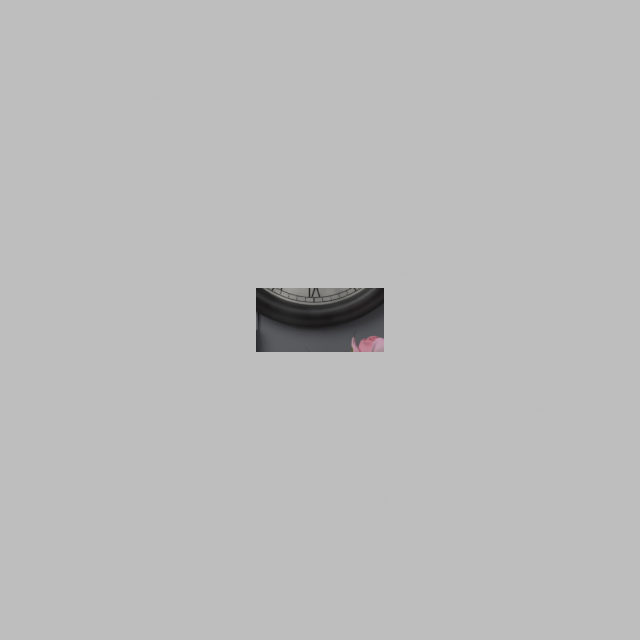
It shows 1.15
